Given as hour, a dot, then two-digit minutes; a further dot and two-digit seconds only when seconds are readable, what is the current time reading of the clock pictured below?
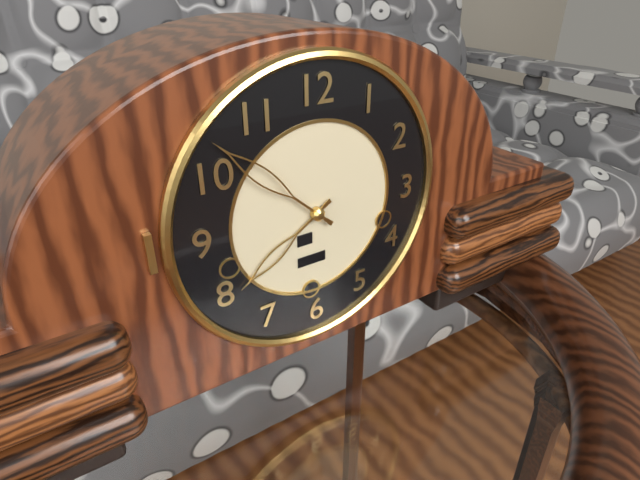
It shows 7.52
